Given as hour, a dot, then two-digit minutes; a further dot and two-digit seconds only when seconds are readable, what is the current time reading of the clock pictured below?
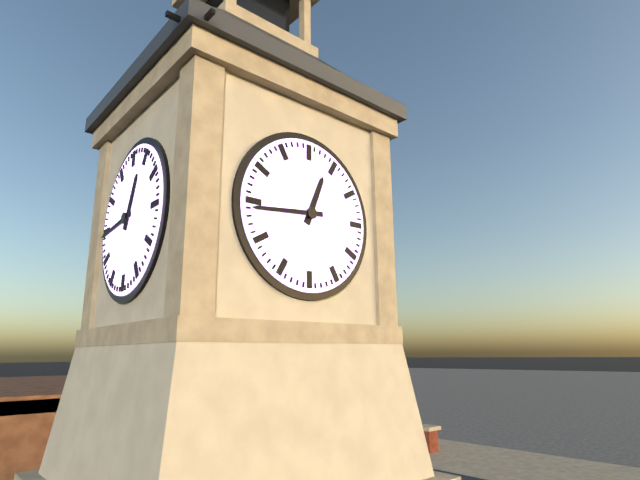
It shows 12.44
